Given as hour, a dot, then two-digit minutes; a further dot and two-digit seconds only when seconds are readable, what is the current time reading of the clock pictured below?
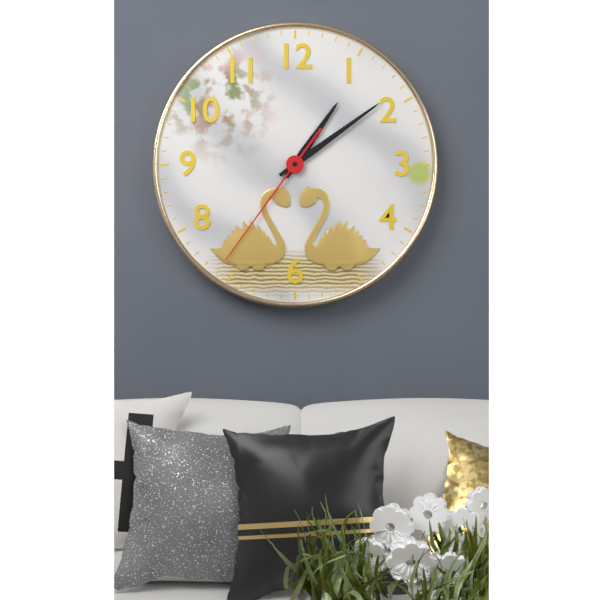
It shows 1.09.36
